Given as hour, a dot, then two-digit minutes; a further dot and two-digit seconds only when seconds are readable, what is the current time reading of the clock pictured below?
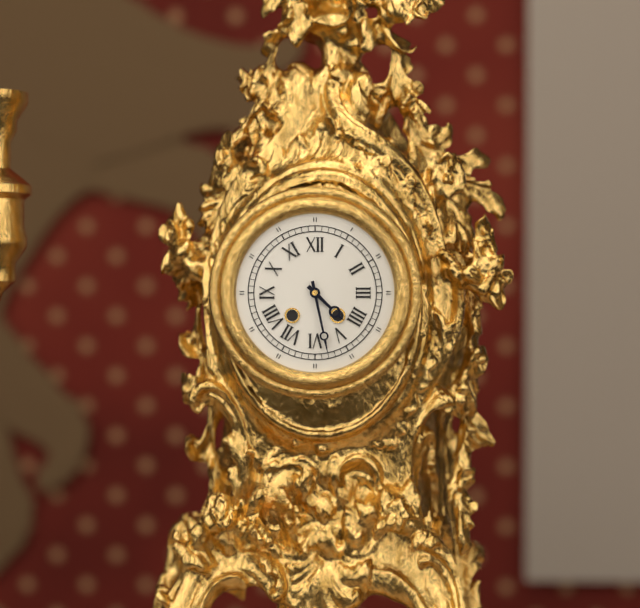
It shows 4.28
